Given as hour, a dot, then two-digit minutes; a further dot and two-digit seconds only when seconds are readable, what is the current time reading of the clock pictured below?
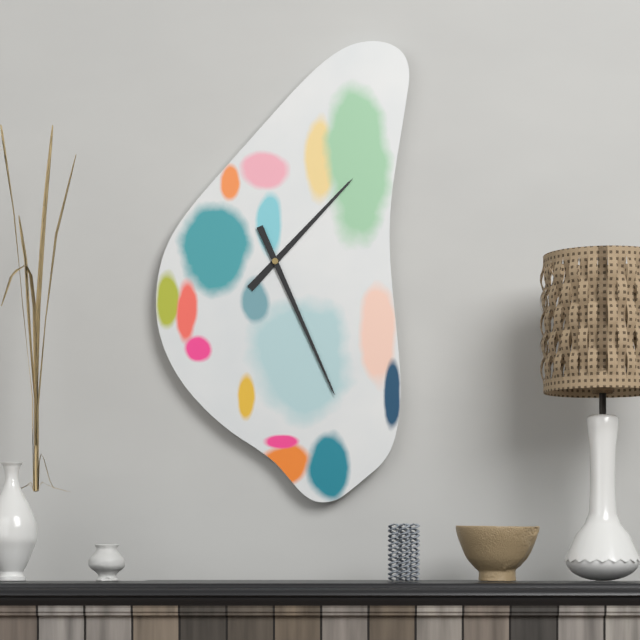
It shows 1.26
